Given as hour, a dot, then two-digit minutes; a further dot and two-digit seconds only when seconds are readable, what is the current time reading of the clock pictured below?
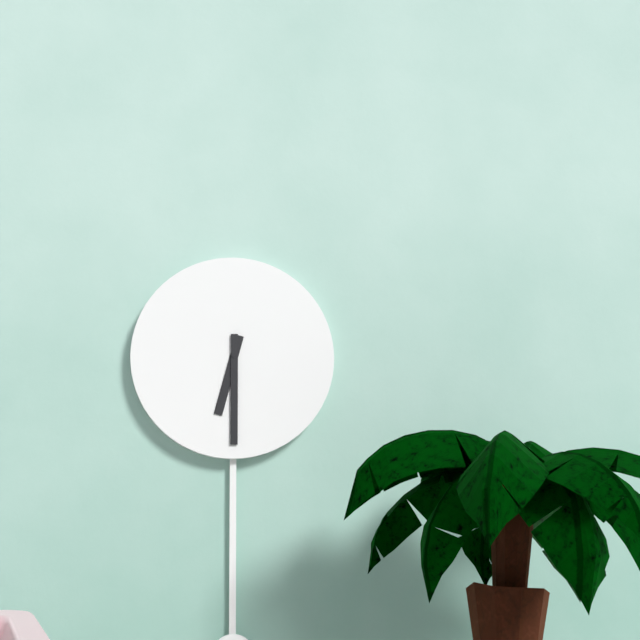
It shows 6.30
